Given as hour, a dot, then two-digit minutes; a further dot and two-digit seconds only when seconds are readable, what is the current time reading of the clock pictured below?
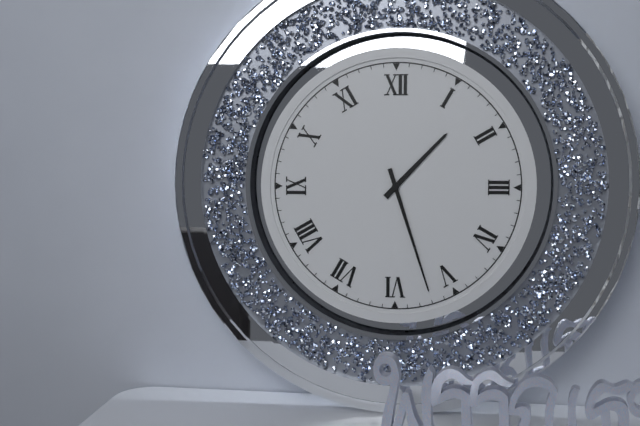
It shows 1.27
